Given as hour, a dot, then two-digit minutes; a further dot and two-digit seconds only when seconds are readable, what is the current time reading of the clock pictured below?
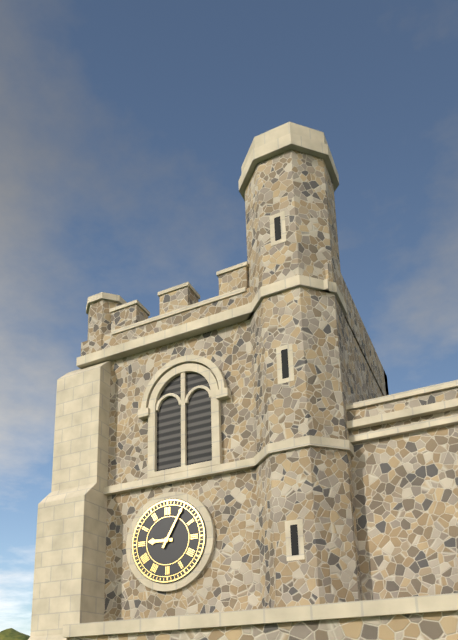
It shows 9.05
